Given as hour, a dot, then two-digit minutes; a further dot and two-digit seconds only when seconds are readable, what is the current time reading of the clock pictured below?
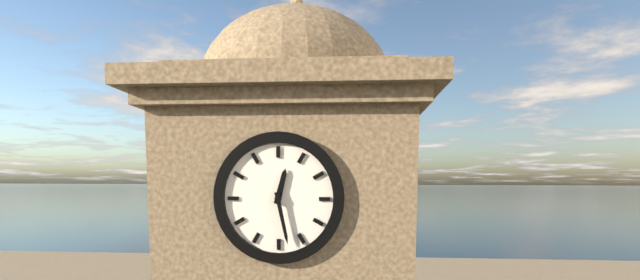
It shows 12.28
